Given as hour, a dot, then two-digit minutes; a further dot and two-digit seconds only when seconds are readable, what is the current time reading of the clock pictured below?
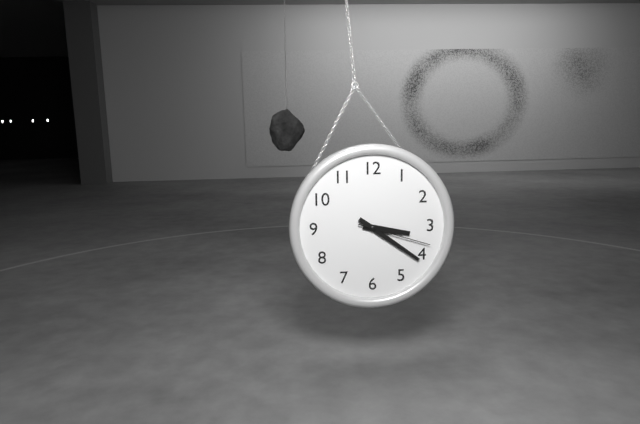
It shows 3.21.18
